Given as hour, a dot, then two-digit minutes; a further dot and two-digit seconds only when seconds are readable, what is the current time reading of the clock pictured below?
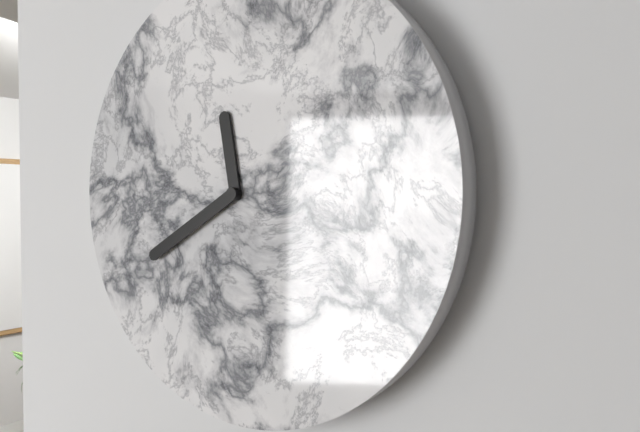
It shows 11.40
